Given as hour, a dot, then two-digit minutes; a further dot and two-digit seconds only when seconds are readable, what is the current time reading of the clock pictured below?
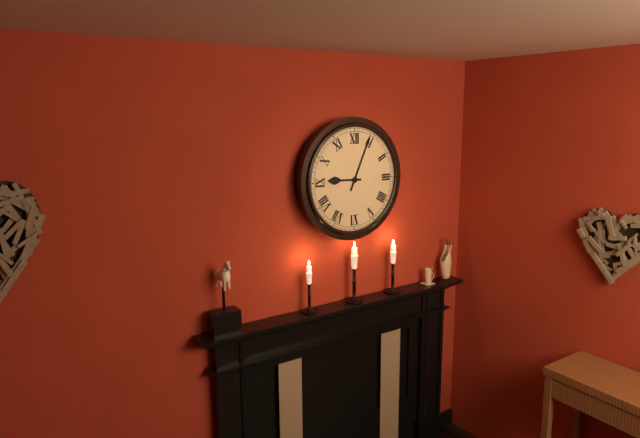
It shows 9.04
